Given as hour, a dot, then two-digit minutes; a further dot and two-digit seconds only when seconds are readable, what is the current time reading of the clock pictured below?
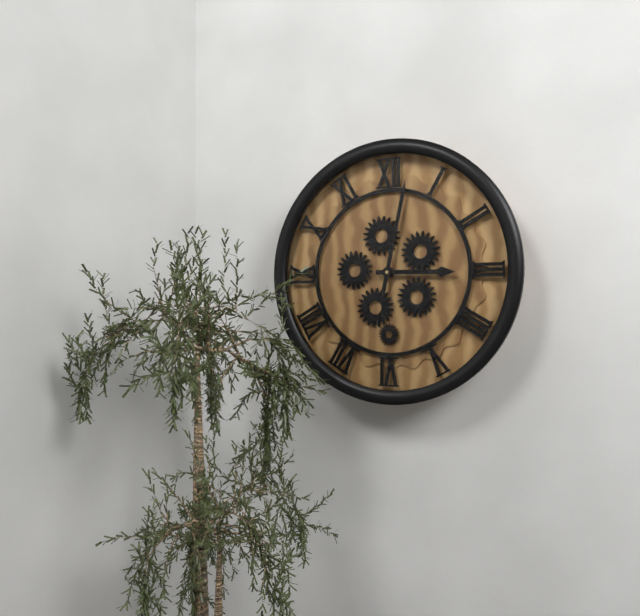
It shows 3.02
